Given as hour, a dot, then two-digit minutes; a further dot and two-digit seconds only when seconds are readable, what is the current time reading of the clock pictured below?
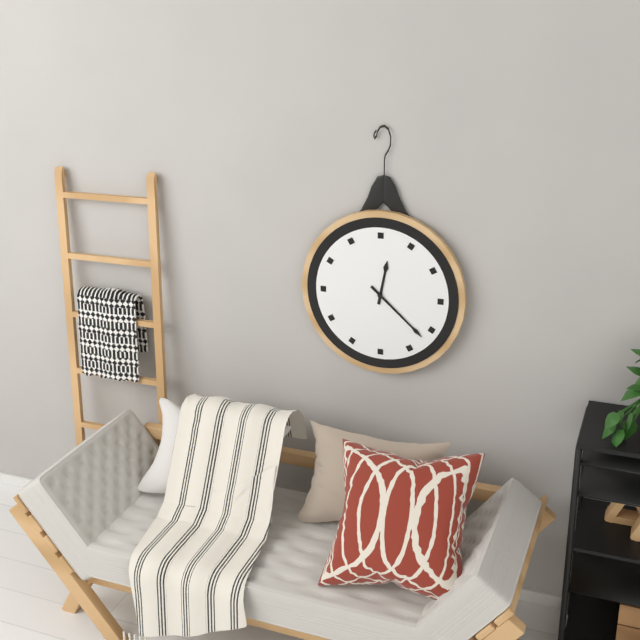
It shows 12.22
